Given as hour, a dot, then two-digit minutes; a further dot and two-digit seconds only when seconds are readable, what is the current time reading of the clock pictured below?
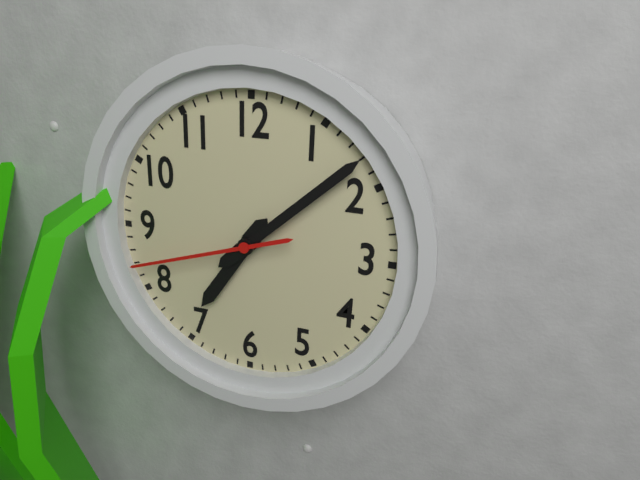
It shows 7.08.42
